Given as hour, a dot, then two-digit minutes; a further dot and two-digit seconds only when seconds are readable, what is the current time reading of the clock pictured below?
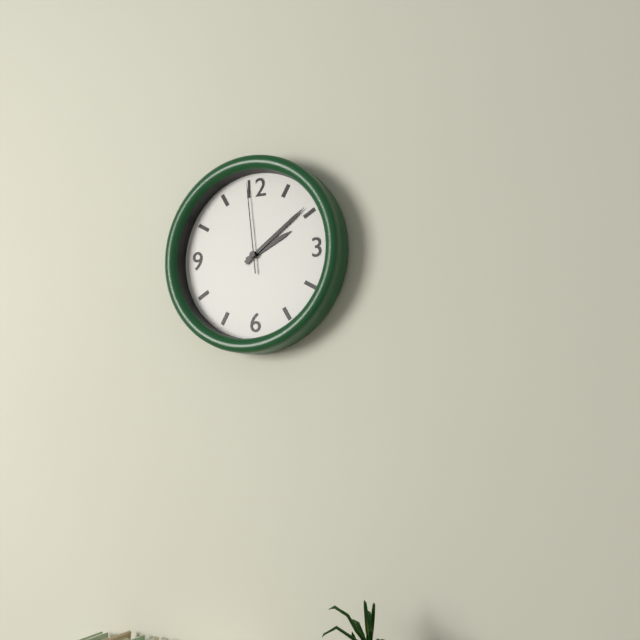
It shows 2.09.59
